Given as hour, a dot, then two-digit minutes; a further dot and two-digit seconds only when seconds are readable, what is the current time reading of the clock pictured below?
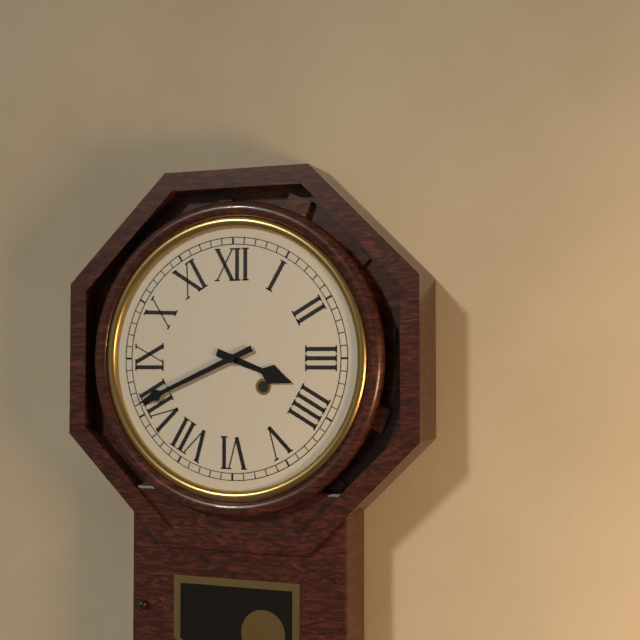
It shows 3.41
